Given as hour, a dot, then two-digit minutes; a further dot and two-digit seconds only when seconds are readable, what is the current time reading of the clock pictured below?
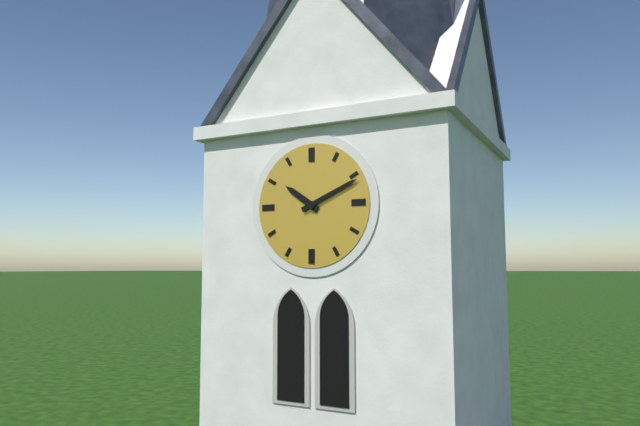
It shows 10.11
